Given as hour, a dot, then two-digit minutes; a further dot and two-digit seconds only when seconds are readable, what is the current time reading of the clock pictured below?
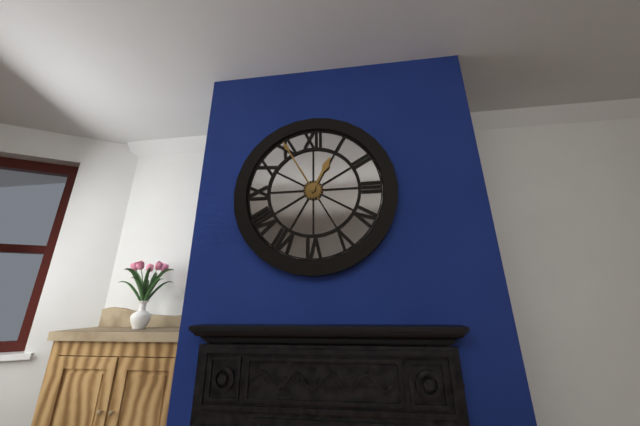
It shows 12.55
